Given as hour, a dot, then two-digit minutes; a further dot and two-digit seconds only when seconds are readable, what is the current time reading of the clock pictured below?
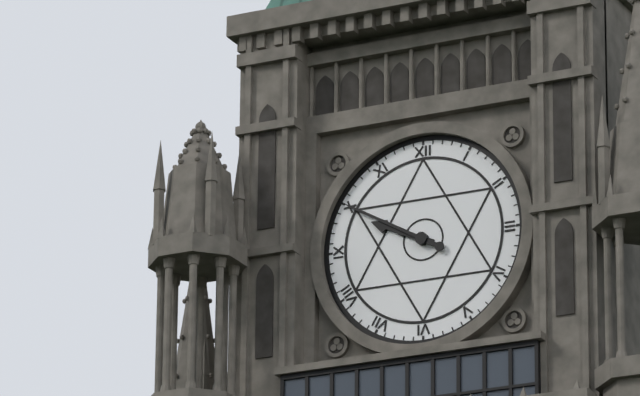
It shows 9.50
